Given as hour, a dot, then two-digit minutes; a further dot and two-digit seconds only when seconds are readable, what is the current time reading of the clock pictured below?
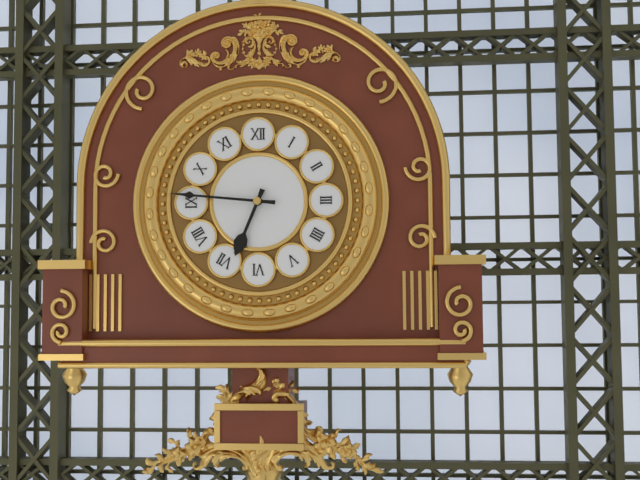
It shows 6.46
